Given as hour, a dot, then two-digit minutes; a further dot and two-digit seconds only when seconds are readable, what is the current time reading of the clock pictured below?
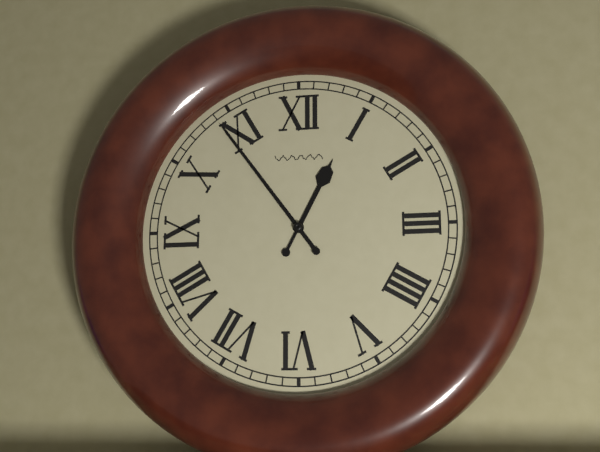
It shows 12.54
